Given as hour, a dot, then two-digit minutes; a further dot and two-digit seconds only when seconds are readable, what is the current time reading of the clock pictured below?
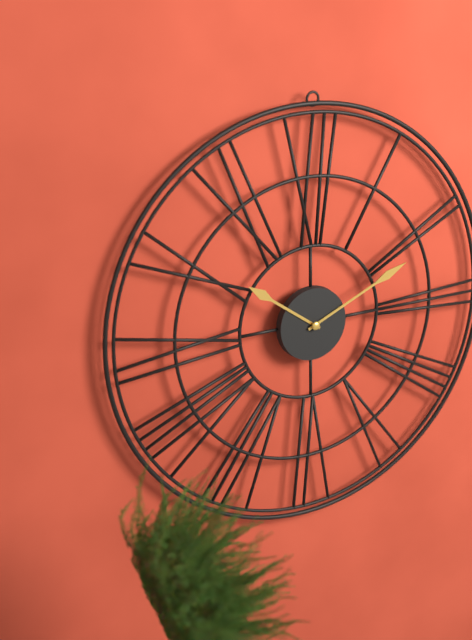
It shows 10.11
